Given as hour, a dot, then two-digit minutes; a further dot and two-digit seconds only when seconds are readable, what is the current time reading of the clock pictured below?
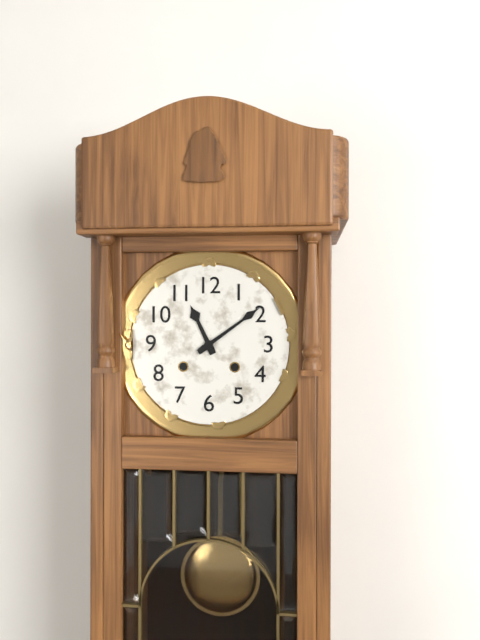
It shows 11.09
